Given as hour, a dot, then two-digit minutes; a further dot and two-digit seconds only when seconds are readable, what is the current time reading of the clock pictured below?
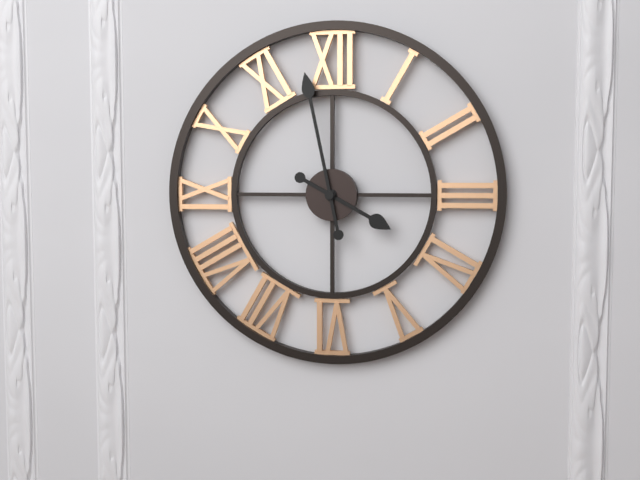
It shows 3.58
